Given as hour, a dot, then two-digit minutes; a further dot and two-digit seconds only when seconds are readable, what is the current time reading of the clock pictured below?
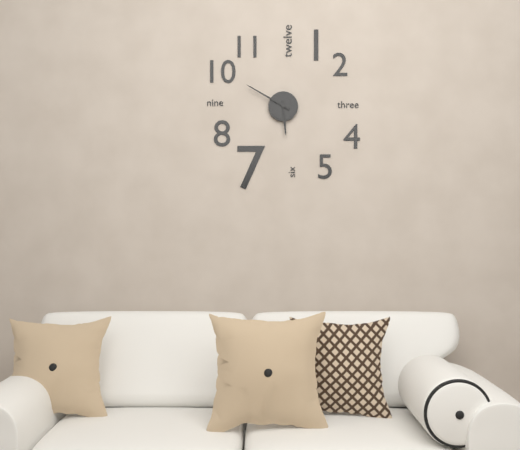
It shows 5.50
